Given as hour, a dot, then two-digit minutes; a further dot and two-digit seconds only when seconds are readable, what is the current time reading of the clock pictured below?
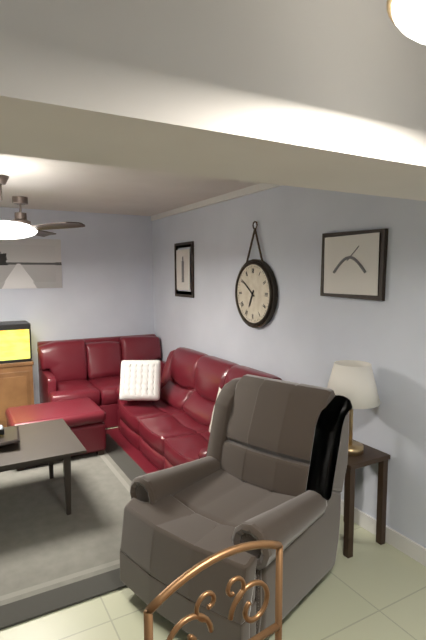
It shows 6.51
